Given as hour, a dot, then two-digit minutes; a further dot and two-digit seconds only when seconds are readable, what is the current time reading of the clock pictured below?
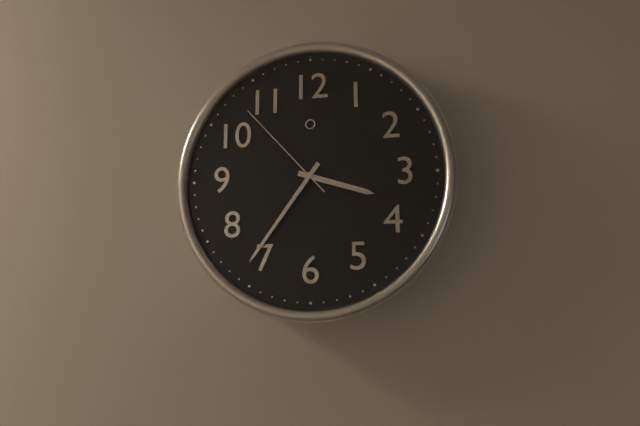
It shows 3.36.53
